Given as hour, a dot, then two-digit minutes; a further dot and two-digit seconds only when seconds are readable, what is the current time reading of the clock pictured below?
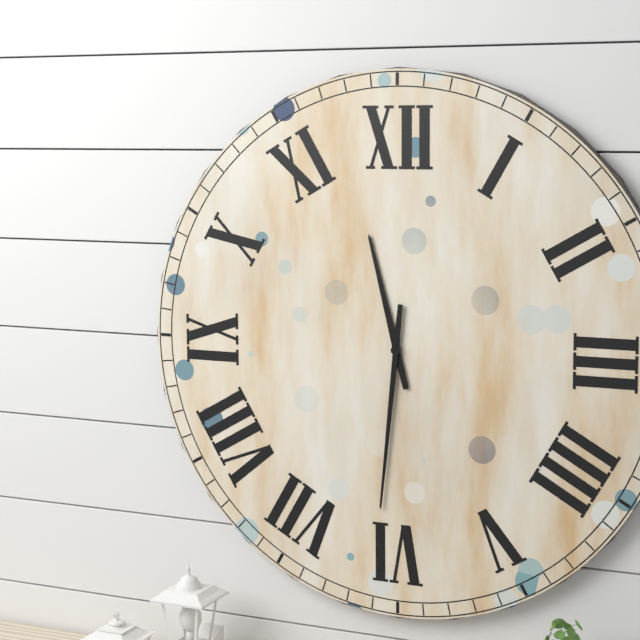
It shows 11.31
